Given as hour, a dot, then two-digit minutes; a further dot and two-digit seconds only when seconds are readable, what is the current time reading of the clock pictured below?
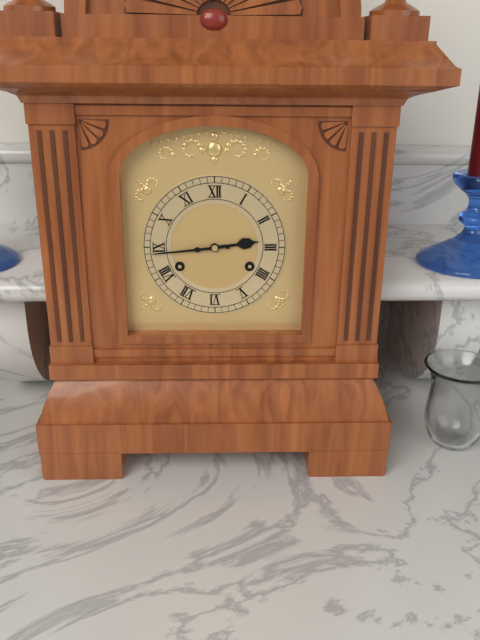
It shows 2.44
